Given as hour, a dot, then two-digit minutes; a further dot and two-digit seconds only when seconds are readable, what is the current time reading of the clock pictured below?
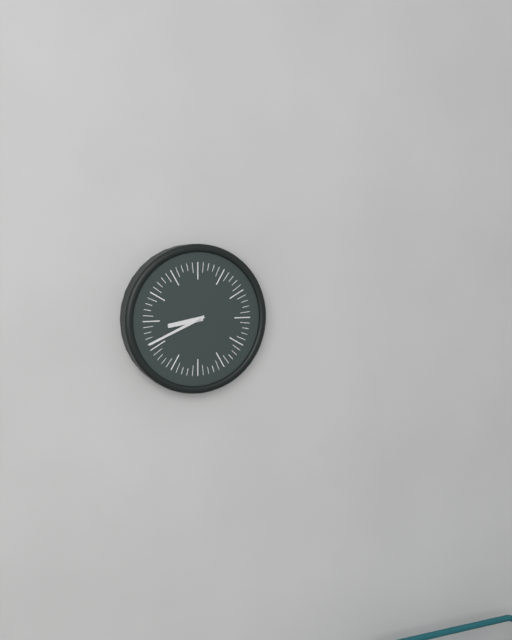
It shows 8.41
